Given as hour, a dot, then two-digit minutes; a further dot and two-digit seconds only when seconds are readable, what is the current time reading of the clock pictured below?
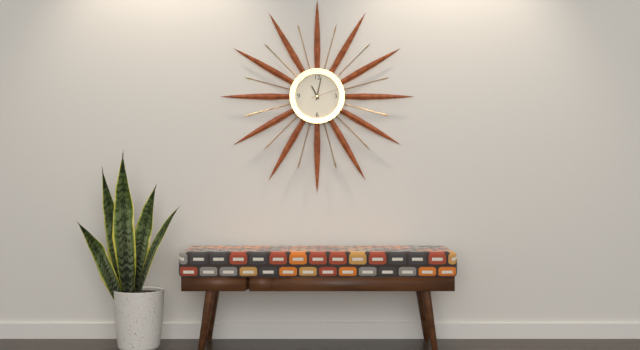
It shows 11.02
